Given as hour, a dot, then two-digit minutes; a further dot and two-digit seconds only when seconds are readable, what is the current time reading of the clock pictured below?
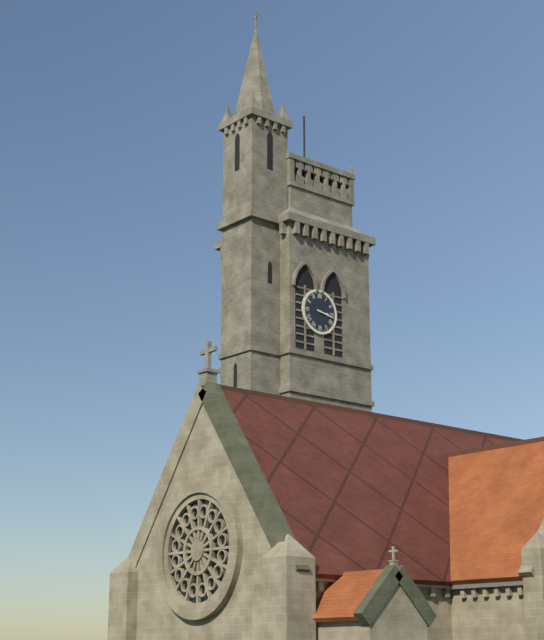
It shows 3.17
